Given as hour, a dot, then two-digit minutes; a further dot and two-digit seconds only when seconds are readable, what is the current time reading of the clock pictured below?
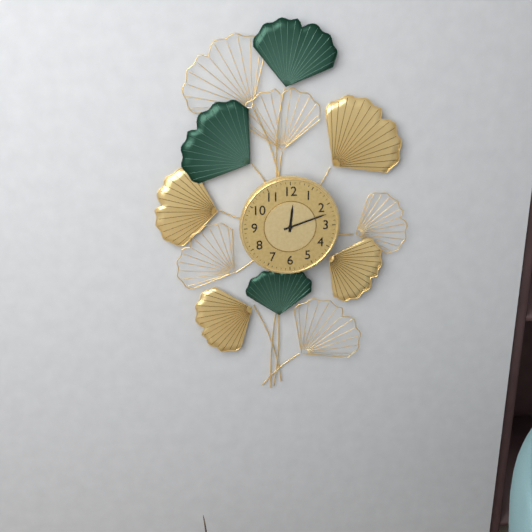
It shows 12.12
